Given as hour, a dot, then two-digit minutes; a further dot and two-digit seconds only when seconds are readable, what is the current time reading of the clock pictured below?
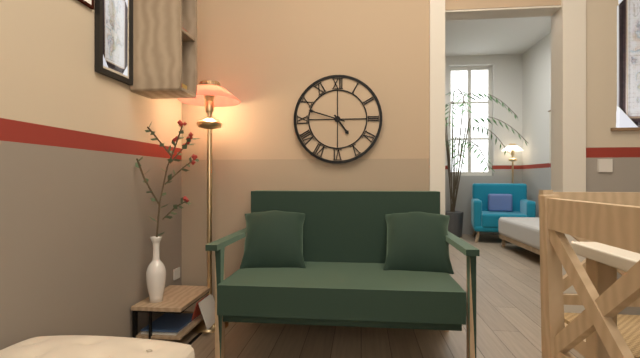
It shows 4.48
